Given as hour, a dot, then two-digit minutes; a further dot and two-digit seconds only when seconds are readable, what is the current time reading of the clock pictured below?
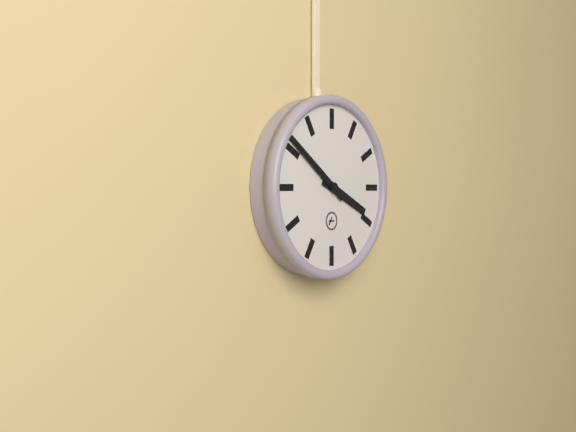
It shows 3.51
